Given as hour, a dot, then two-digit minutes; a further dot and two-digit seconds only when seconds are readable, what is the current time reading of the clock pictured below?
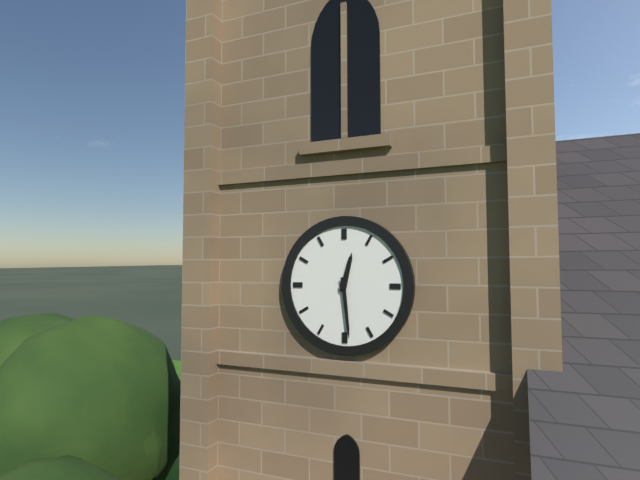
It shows 12.29
